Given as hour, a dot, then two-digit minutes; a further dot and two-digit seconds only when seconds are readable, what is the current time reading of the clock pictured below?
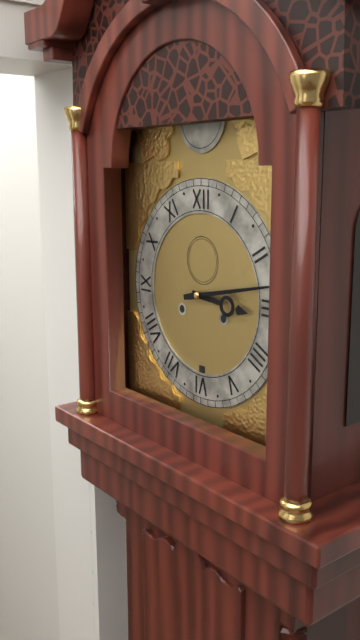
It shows 3.13
